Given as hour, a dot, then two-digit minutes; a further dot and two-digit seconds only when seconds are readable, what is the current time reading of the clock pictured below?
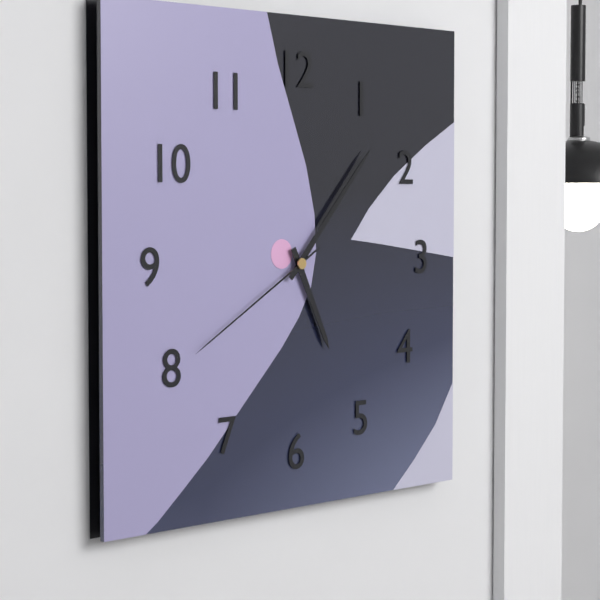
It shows 5.07.40
